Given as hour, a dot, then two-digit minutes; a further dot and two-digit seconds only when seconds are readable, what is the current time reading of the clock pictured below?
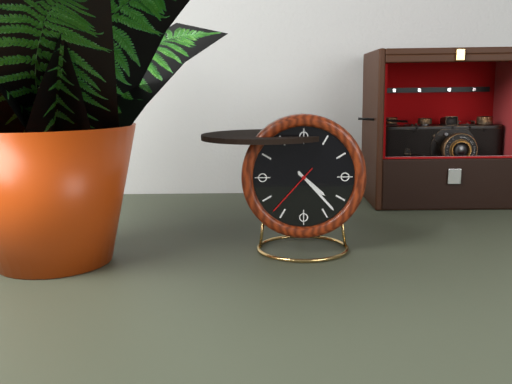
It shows 4.23.37
